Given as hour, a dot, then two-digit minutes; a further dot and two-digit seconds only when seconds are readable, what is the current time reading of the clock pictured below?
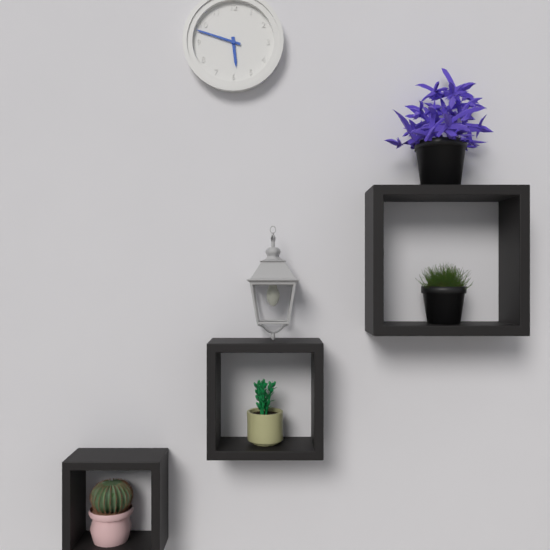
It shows 5.48
